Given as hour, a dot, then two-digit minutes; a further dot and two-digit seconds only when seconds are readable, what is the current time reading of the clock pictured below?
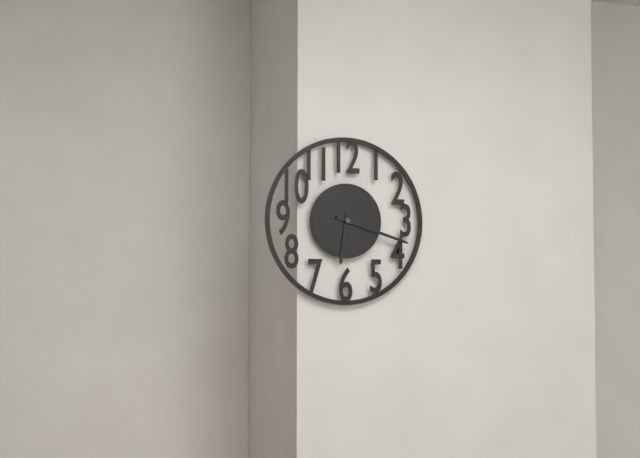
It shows 6.18
